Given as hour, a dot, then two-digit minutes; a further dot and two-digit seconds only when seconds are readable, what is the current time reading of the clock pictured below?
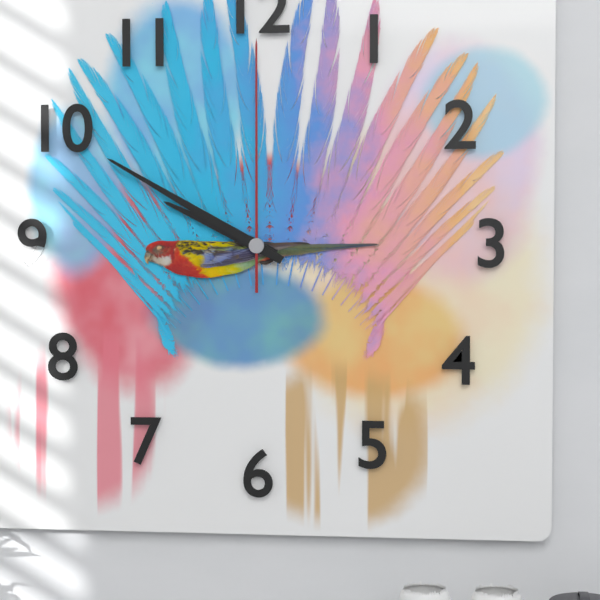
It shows 9.50.00
